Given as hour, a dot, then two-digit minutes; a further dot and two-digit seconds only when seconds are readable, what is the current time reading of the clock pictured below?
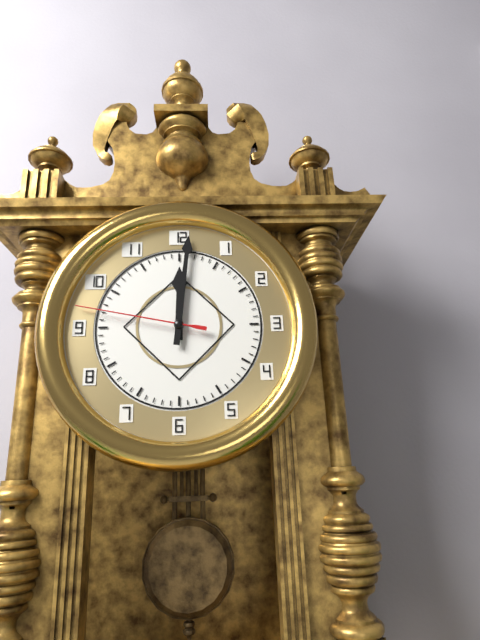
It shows 12.01.47
